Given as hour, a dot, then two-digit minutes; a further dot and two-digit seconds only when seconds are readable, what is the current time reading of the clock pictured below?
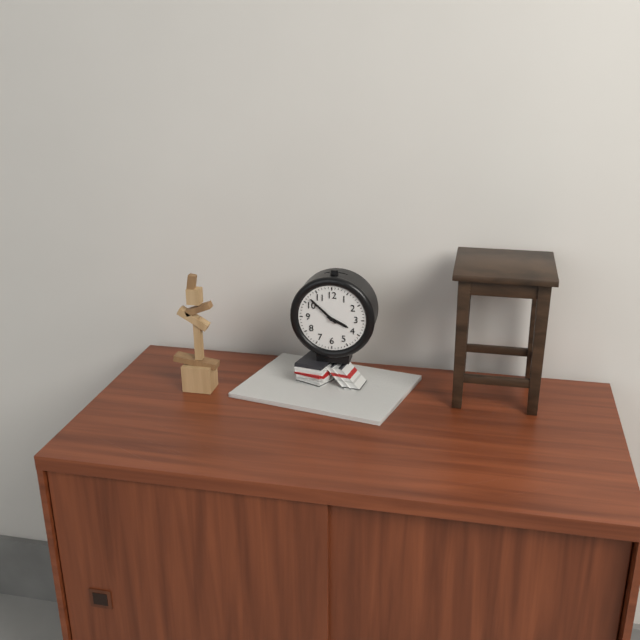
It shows 3.52
